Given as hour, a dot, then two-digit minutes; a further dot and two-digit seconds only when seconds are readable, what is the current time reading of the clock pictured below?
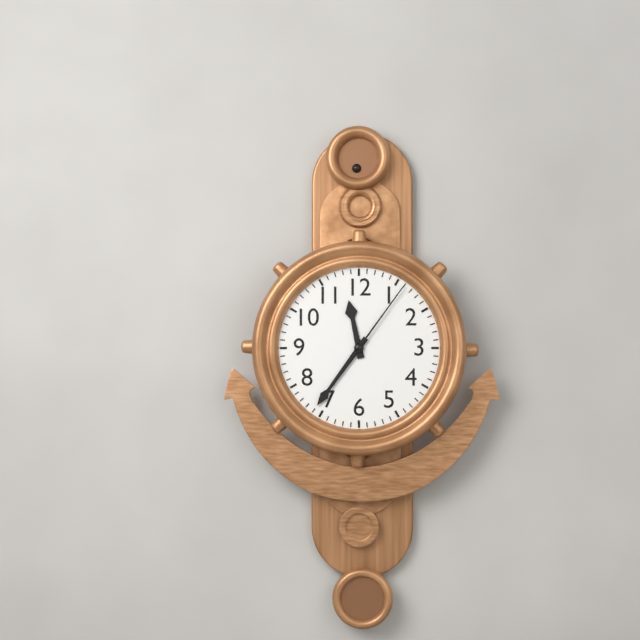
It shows 11.36.06
